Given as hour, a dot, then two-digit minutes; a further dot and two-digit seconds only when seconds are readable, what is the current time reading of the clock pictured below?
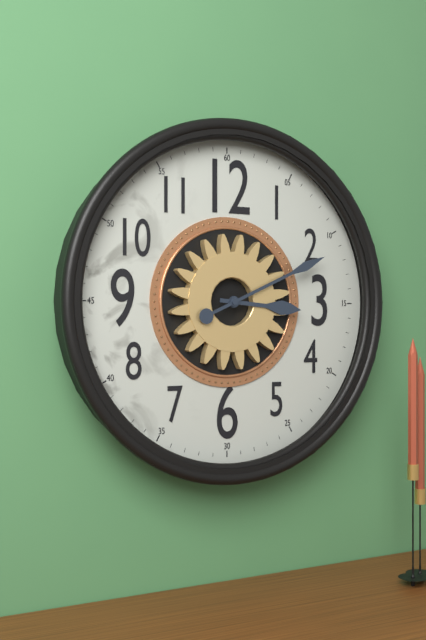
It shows 3.11
